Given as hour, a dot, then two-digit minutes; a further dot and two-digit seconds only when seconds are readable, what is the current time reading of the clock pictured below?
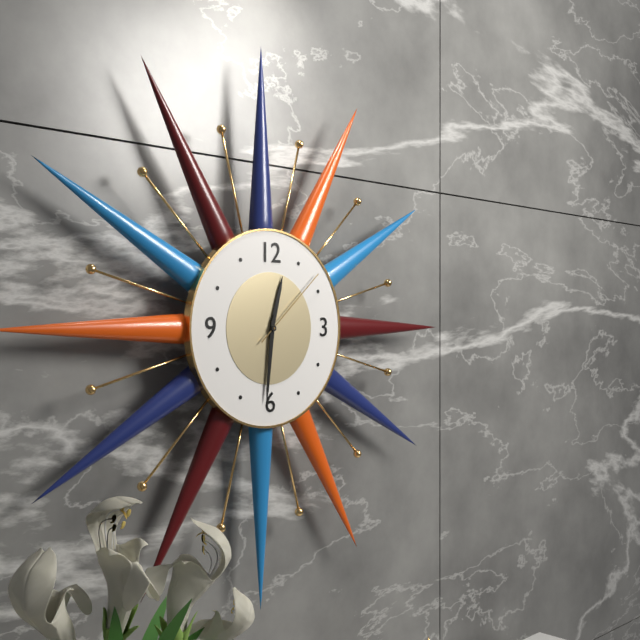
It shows 12.31.08
